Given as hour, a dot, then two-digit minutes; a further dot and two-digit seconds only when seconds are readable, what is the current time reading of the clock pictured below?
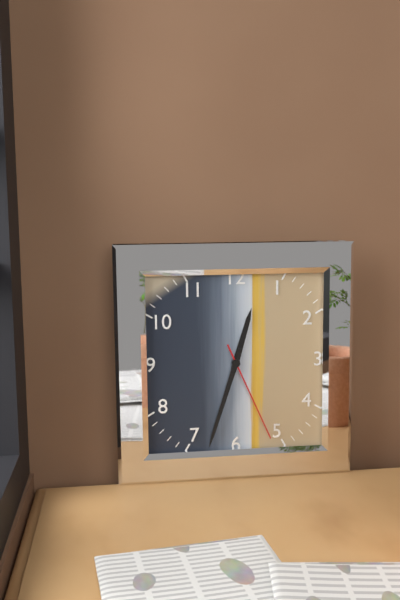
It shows 12.33.26
